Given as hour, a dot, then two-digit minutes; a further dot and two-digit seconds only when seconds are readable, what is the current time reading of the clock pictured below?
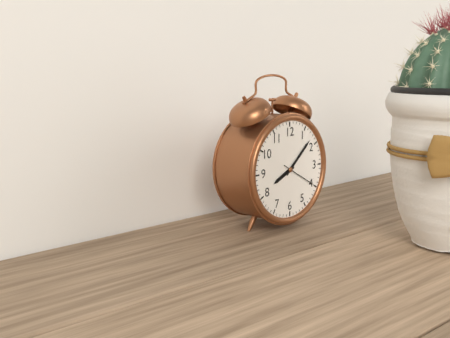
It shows 8.08
